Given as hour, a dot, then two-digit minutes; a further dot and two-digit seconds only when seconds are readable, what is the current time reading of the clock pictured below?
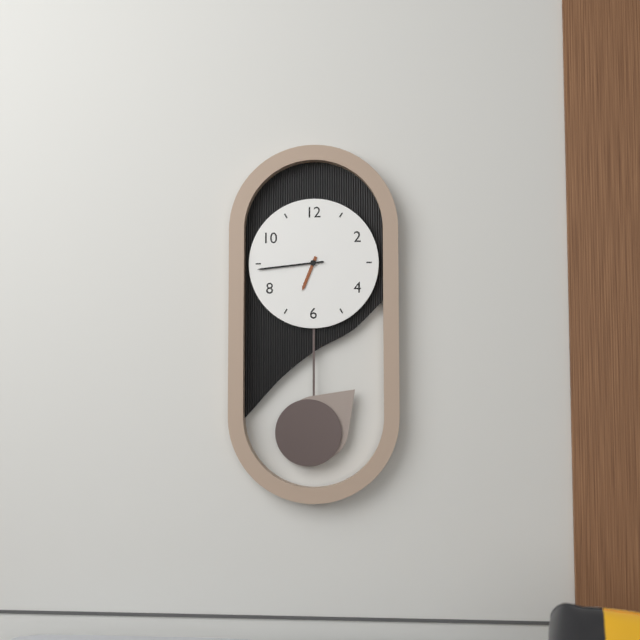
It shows 6.44
